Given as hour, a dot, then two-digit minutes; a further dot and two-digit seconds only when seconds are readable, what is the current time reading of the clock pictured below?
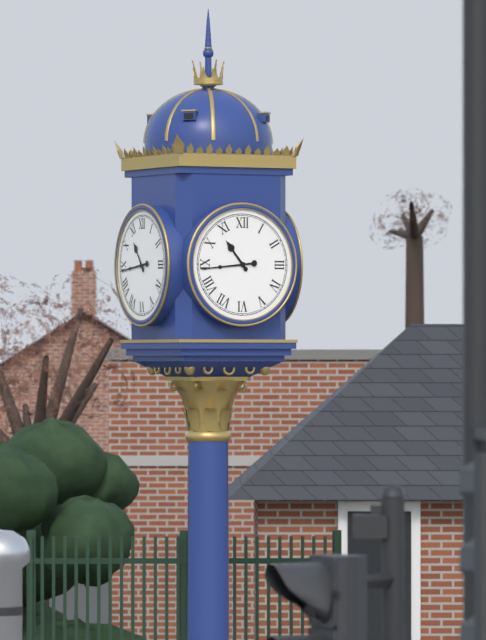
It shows 10.44
